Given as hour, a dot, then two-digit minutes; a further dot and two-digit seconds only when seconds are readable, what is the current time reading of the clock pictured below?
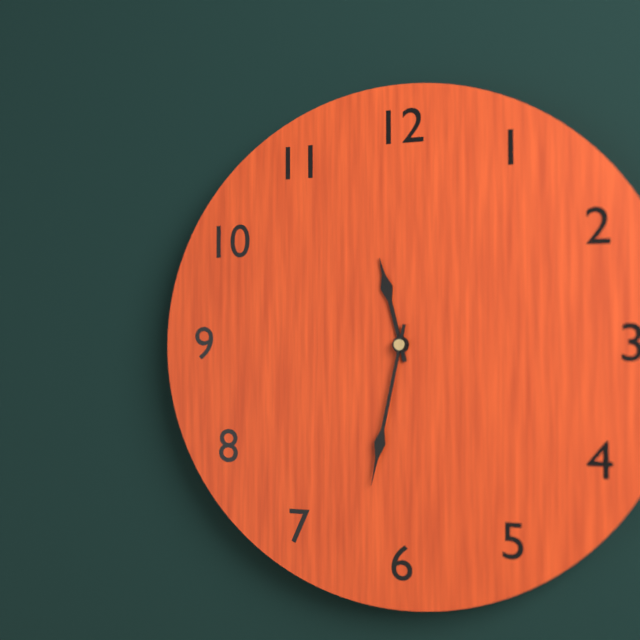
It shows 11.32
